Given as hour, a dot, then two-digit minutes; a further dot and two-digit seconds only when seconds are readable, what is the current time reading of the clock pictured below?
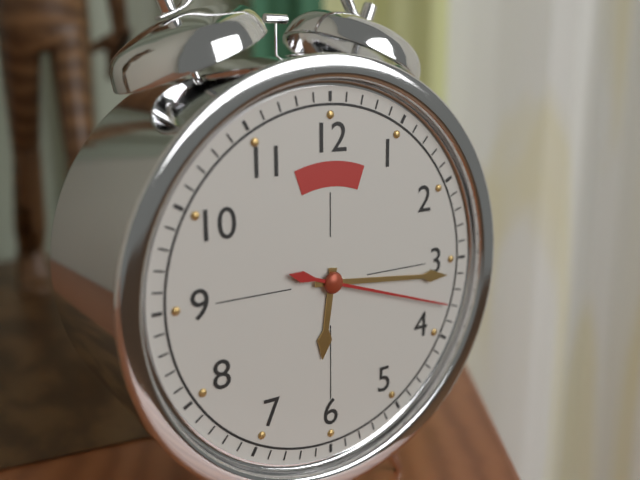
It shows 6.16.18
